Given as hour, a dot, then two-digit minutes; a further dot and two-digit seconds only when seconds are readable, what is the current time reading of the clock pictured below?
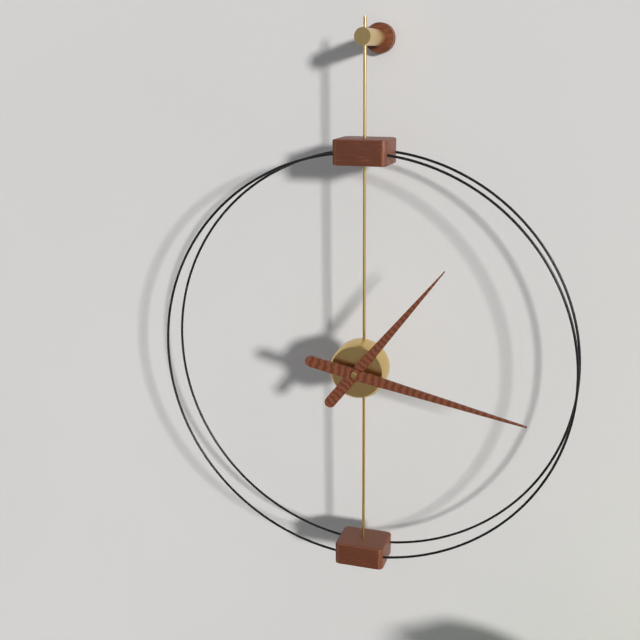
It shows 1.17
